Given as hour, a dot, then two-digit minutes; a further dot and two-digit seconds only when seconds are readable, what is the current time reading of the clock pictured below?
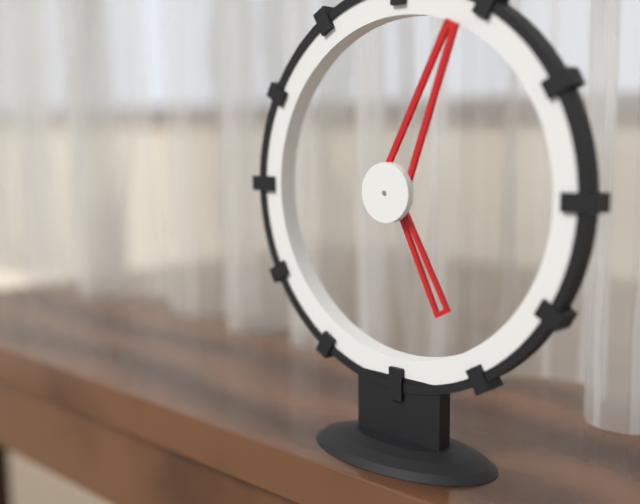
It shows 5.04
